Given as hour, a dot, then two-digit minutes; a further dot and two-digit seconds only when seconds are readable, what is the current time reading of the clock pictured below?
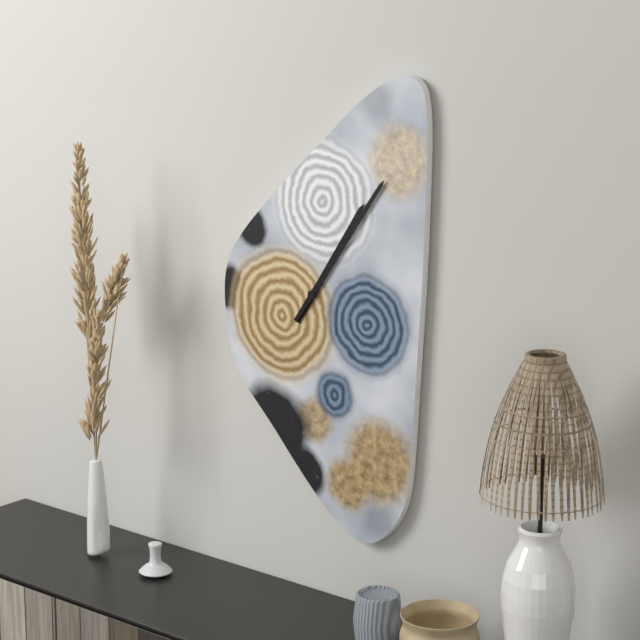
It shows 1.06
